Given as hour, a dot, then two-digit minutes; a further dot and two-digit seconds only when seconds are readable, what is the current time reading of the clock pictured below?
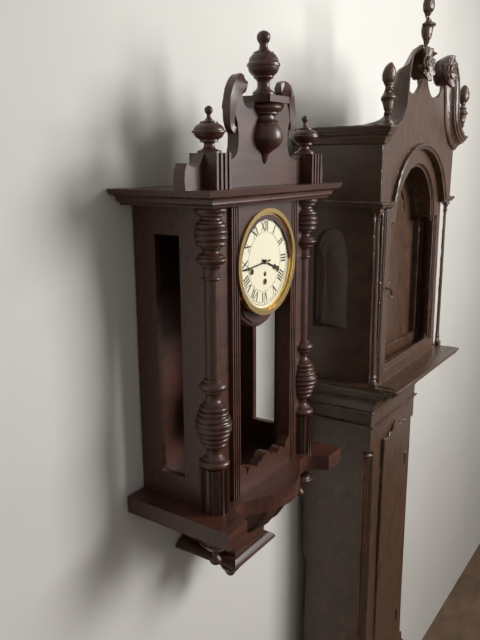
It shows 3.44
